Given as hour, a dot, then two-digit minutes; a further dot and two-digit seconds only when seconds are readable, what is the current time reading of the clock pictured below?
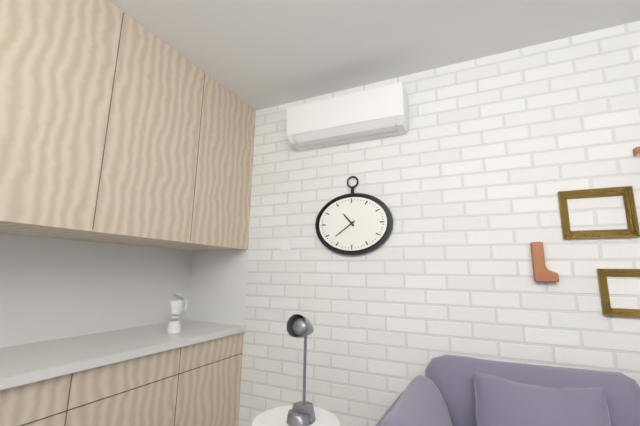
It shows 10.39
